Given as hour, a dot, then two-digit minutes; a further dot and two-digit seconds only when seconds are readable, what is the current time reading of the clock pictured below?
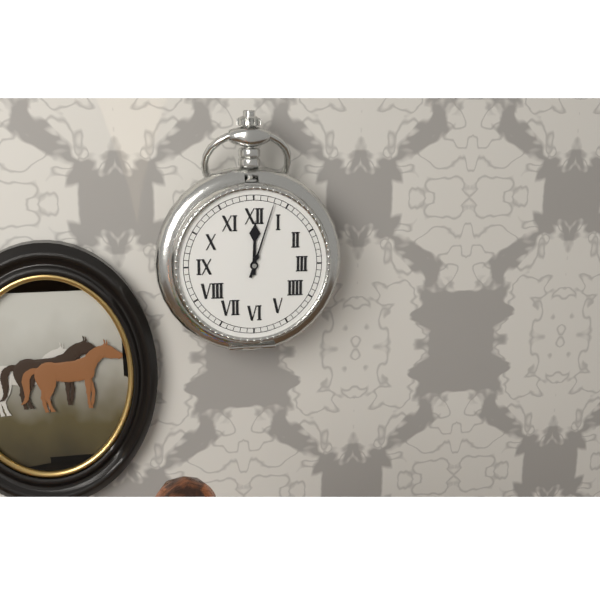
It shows 12.03
